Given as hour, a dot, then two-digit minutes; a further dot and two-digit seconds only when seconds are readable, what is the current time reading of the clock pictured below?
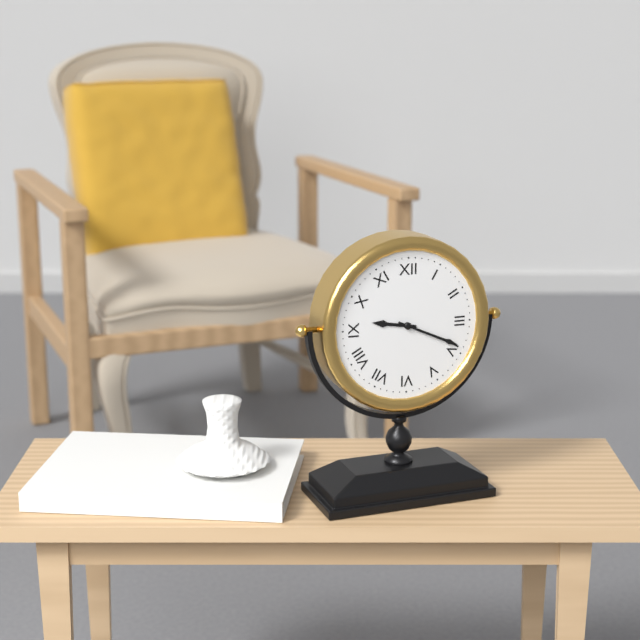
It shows 9.19
